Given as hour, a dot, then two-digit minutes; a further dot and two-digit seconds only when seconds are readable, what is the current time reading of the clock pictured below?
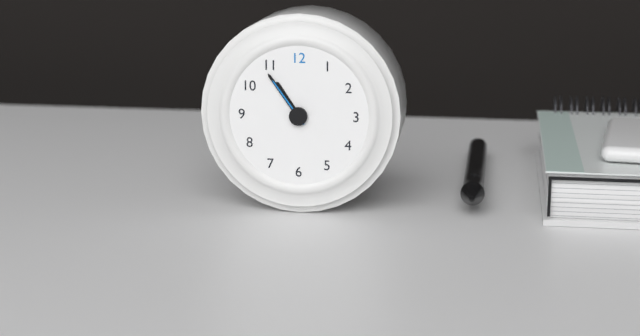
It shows 10.54.54
